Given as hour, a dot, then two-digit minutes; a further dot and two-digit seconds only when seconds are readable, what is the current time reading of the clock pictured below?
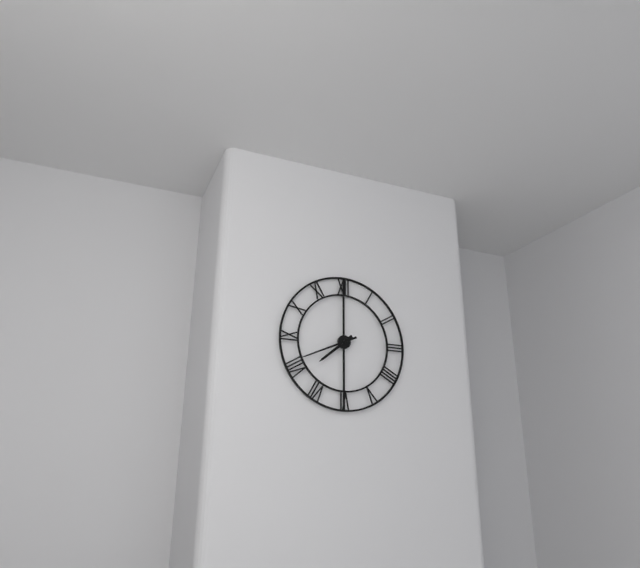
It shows 7.41
